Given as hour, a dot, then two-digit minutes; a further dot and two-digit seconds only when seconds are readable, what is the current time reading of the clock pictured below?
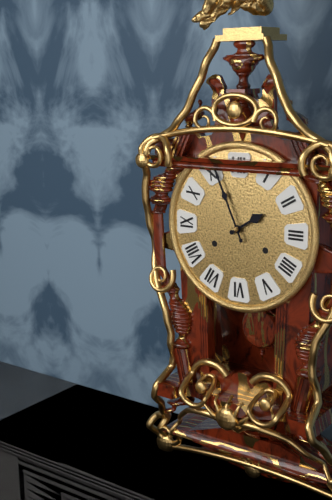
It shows 1.56
